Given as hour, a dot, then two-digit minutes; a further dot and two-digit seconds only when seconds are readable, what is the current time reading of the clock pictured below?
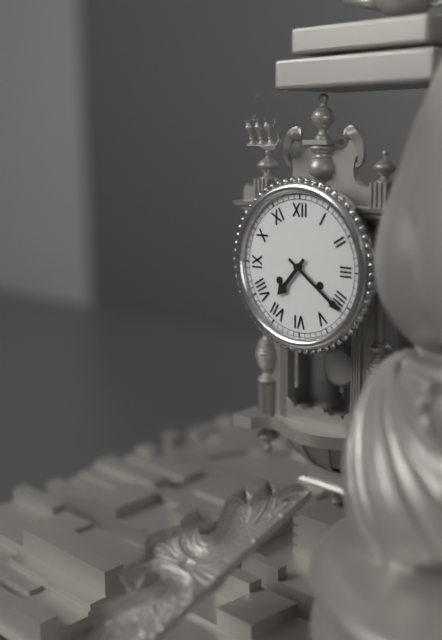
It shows 7.21
